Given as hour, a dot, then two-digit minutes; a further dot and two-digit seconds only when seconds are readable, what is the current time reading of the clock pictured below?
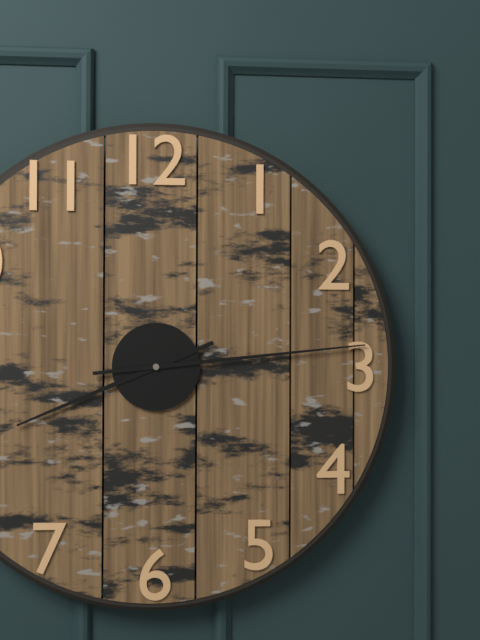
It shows 8.14
